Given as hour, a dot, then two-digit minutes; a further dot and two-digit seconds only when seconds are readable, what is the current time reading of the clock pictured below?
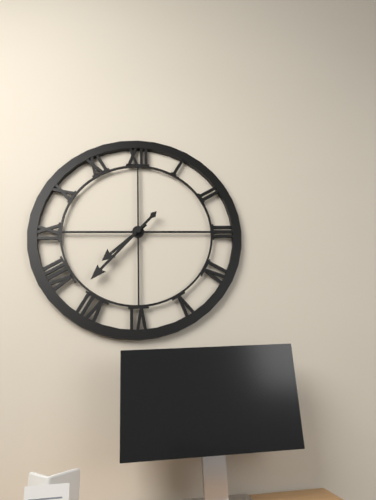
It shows 7.37
